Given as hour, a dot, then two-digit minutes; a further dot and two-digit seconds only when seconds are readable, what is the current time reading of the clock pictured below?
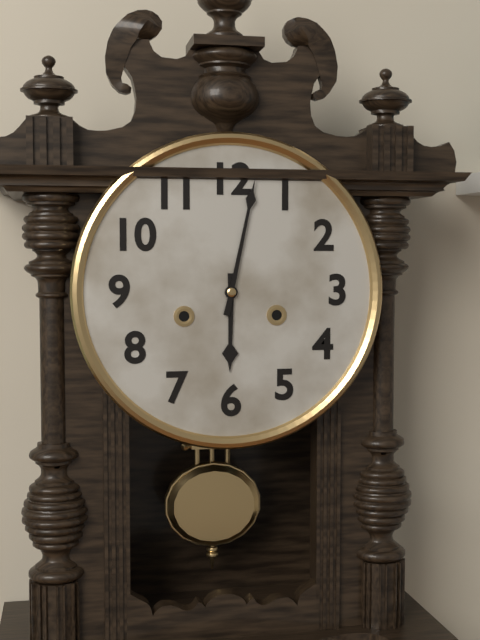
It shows 6.02
